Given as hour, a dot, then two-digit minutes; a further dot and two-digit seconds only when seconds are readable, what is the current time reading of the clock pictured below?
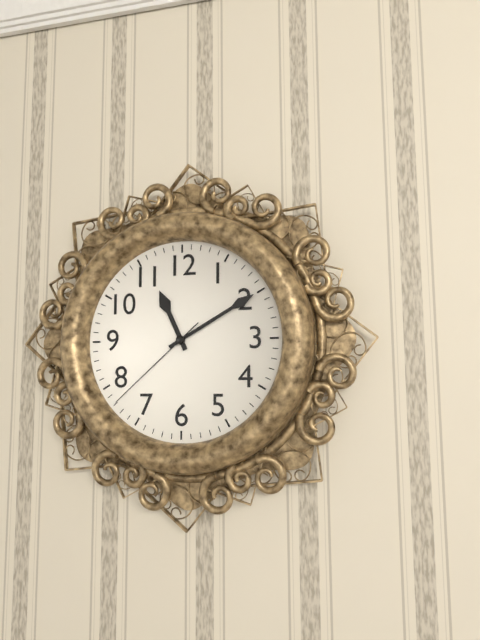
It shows 11.10.38
